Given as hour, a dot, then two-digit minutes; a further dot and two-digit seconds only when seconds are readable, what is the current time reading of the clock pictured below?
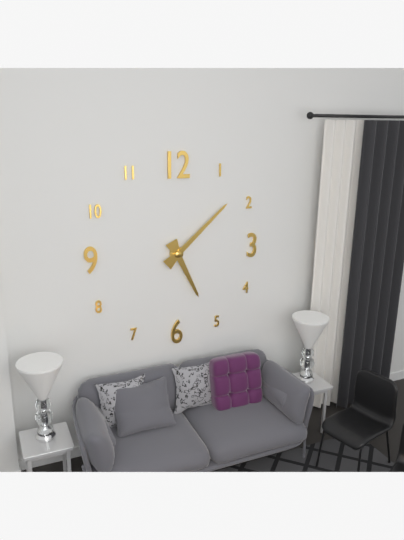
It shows 5.08
